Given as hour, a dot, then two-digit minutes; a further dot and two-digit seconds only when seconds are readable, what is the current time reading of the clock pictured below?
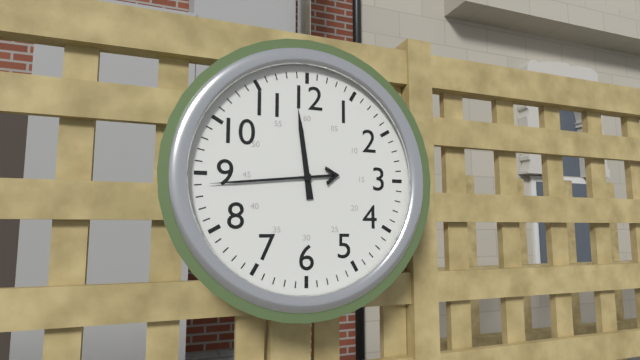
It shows 11.44
